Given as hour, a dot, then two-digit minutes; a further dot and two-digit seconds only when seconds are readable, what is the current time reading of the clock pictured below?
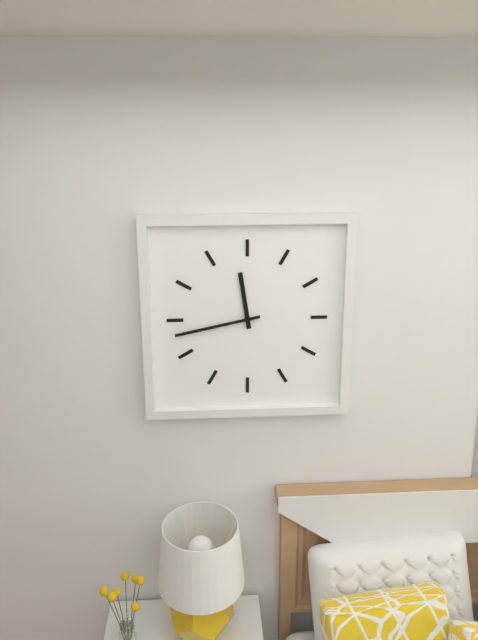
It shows 11.43
